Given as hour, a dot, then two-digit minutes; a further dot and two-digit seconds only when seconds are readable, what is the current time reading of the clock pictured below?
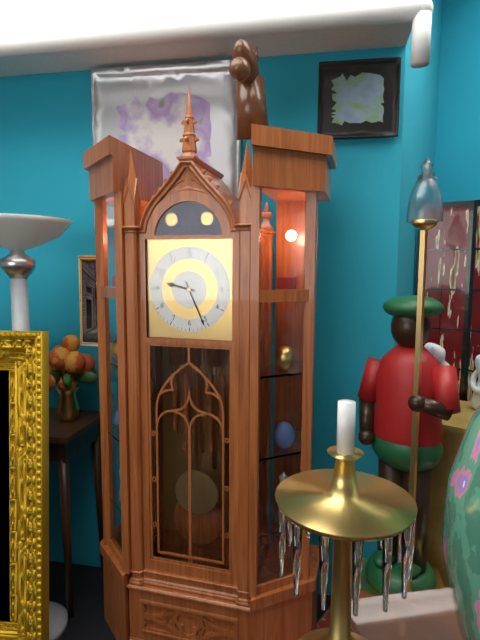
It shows 9.26
